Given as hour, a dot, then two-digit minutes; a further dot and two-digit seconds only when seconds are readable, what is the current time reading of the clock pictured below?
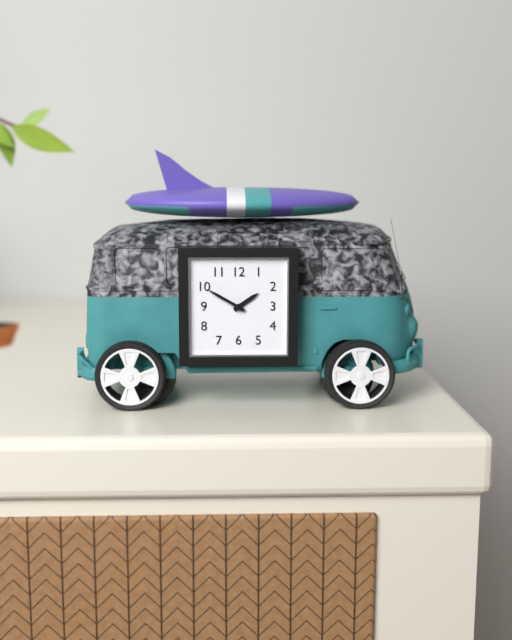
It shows 1.50
